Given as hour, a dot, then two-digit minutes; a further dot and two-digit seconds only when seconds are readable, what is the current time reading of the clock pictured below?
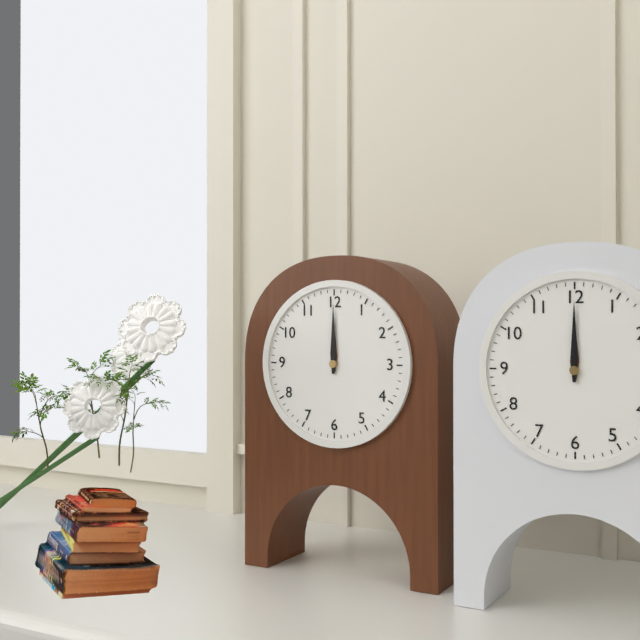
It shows 12.00
